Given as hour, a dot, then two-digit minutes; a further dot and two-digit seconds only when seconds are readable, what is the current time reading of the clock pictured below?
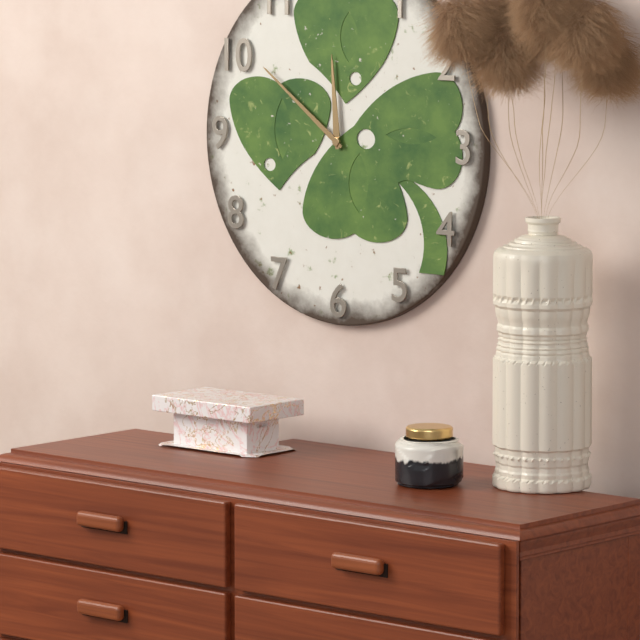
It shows 11.51
